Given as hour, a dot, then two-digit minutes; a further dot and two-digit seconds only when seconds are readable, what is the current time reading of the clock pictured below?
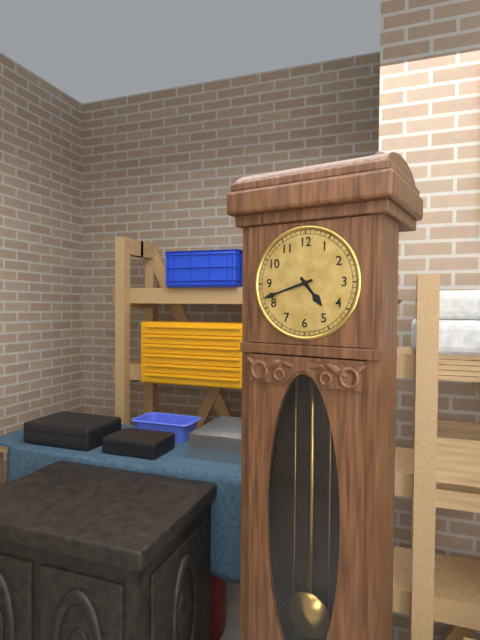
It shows 4.42
